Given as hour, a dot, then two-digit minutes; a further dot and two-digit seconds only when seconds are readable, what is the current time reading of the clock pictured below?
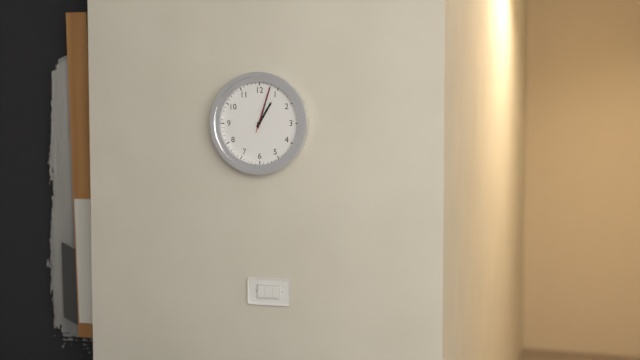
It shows 1.03
